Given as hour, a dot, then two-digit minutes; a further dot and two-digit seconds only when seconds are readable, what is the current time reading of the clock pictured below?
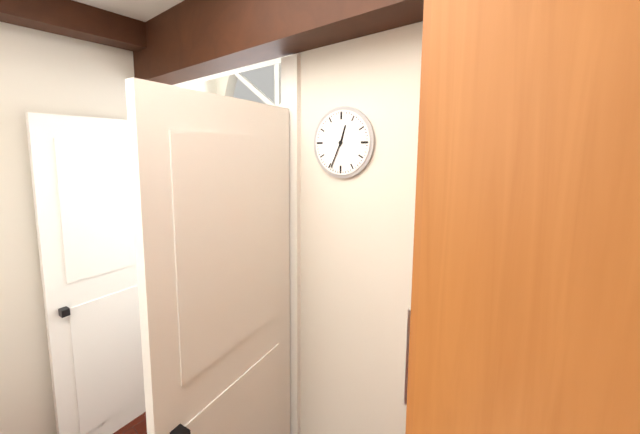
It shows 12.34
